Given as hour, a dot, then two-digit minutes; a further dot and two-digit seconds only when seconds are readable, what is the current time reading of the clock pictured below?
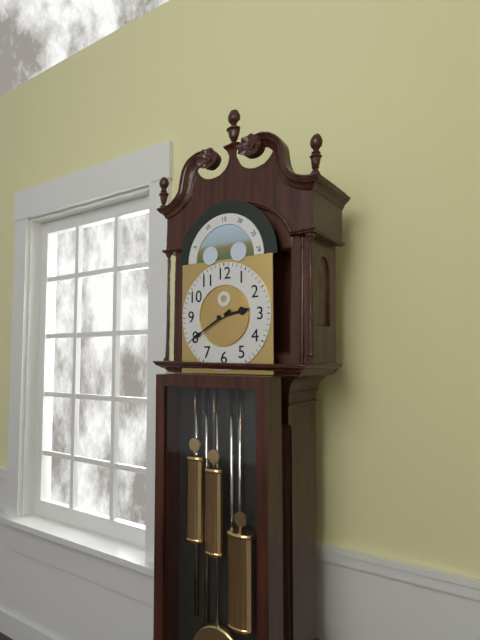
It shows 2.40
